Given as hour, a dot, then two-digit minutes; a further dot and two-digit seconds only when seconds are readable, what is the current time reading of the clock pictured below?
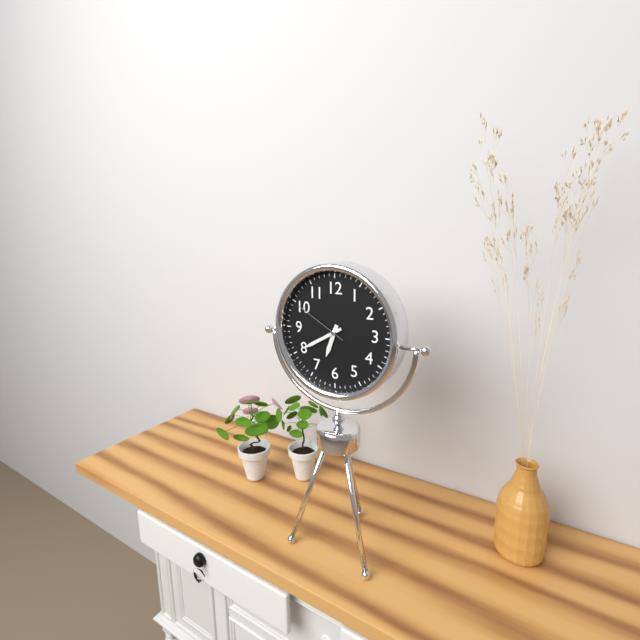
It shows 6.40.50
